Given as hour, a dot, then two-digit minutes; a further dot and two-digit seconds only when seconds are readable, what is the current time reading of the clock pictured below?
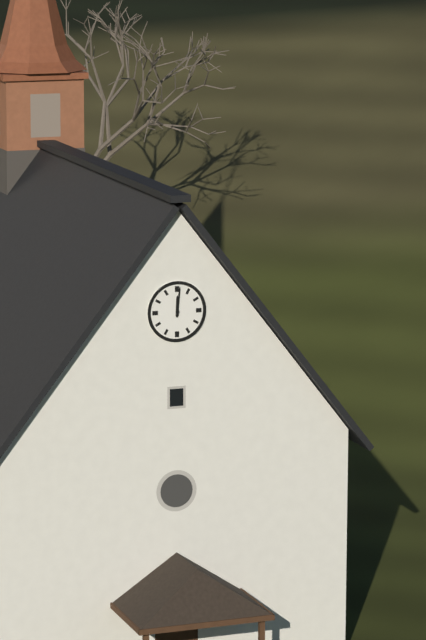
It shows 12.01
